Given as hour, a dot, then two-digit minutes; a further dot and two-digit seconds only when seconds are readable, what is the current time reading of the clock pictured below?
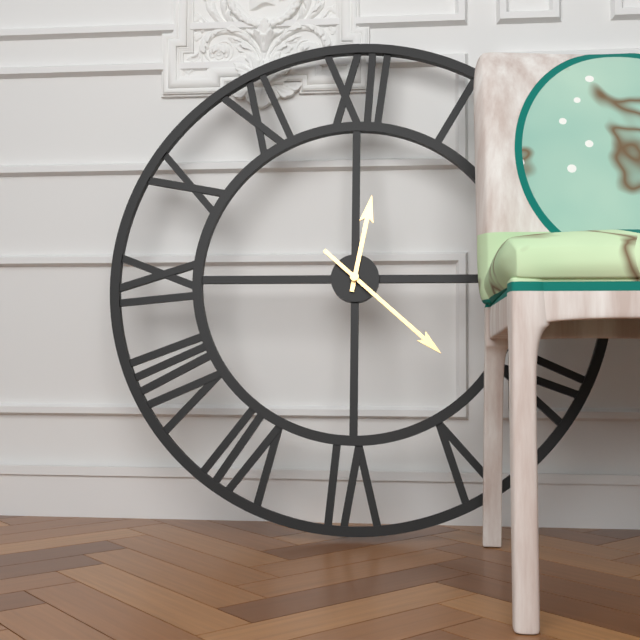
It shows 12.22
